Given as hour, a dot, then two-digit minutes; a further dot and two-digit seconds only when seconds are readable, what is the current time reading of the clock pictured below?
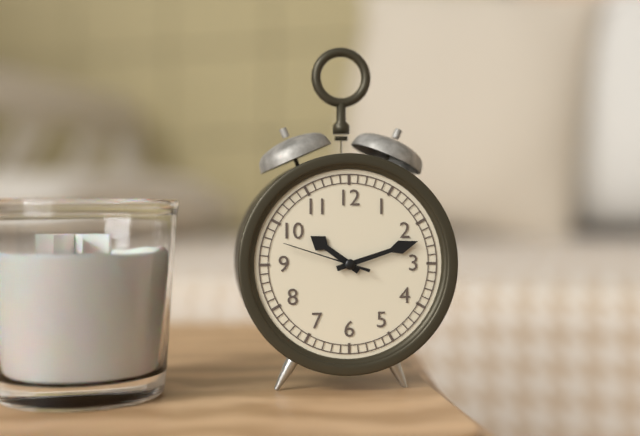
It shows 10.12.48
